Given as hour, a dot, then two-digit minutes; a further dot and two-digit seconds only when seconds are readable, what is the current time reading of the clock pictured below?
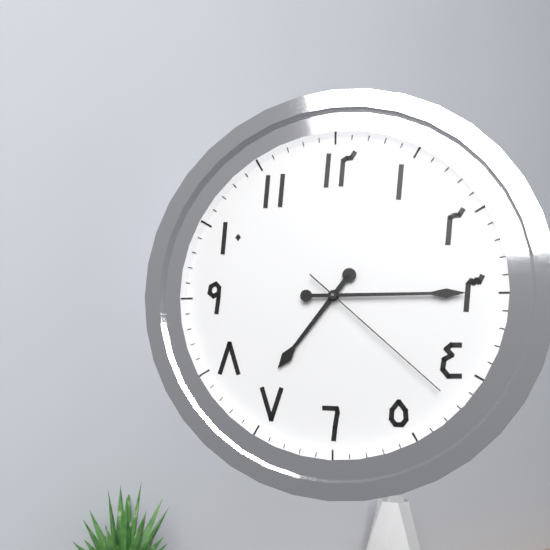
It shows 7.15.22
